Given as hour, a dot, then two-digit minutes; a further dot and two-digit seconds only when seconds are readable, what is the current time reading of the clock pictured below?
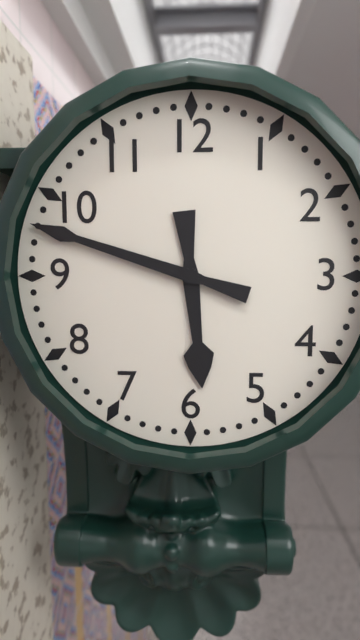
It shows 5.48
